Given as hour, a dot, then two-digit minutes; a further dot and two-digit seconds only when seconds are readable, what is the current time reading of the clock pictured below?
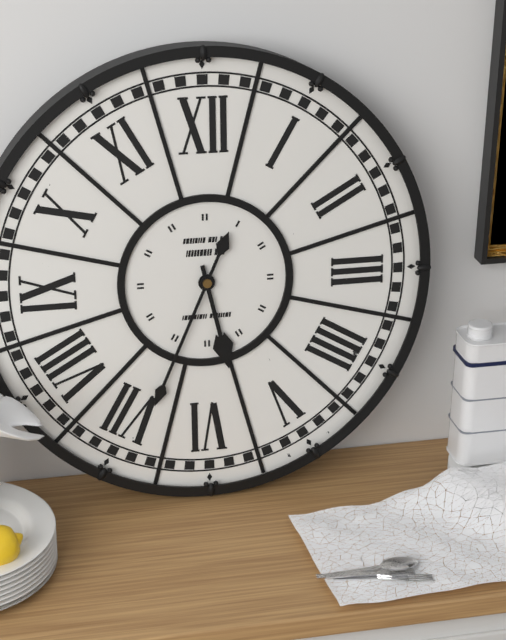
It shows 5.34
